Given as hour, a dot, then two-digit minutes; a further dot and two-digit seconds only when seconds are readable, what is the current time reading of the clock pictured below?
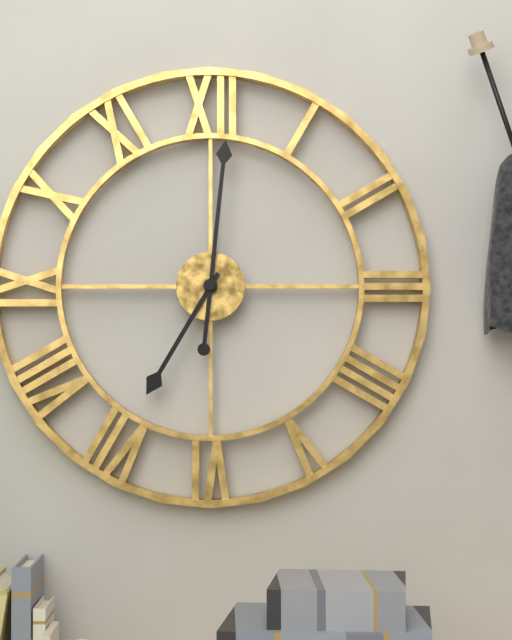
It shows 7.01
